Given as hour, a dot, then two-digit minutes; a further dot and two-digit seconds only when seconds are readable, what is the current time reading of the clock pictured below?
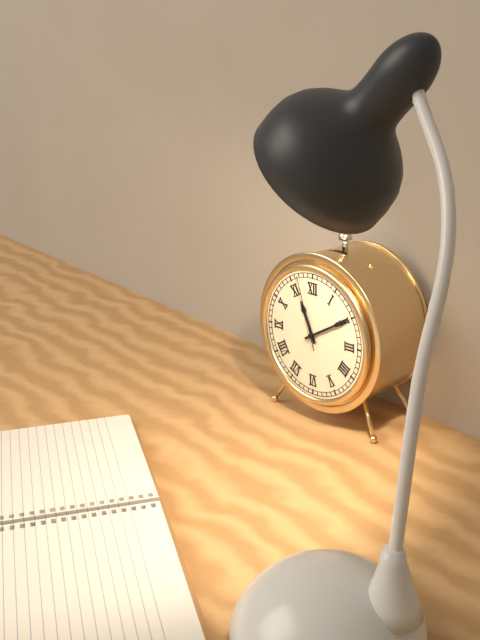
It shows 11.10.57
